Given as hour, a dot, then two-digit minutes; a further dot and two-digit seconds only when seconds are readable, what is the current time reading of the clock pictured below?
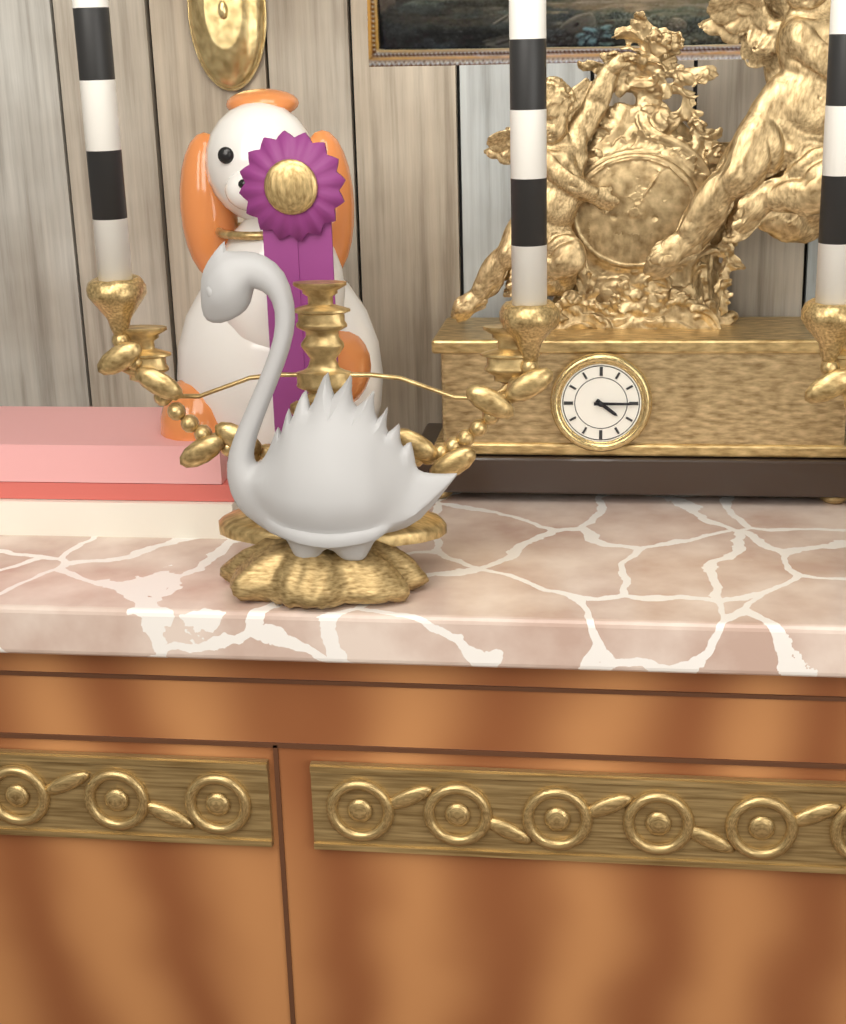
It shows 4.15
